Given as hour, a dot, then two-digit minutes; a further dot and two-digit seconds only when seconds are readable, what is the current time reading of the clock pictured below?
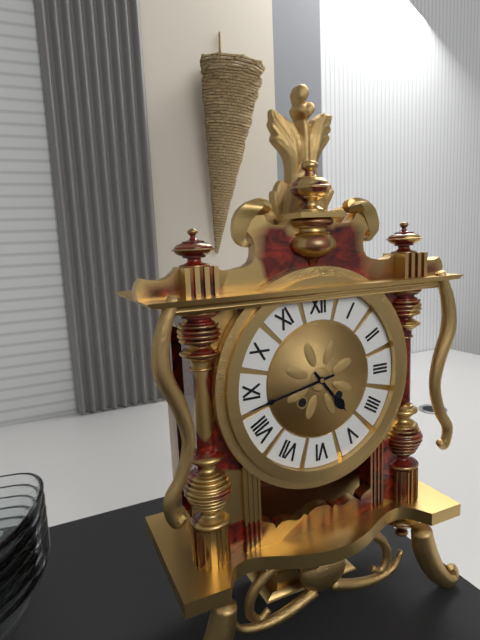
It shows 4.43
